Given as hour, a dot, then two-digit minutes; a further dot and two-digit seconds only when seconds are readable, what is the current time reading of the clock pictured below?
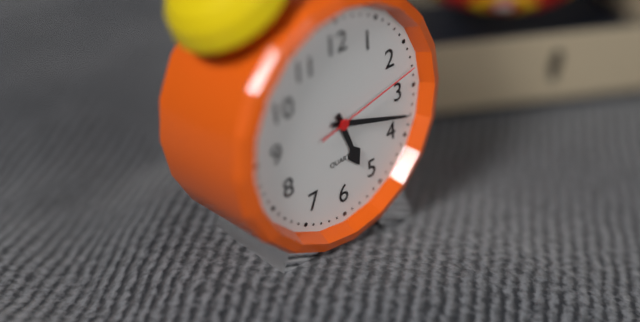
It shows 5.18.13
